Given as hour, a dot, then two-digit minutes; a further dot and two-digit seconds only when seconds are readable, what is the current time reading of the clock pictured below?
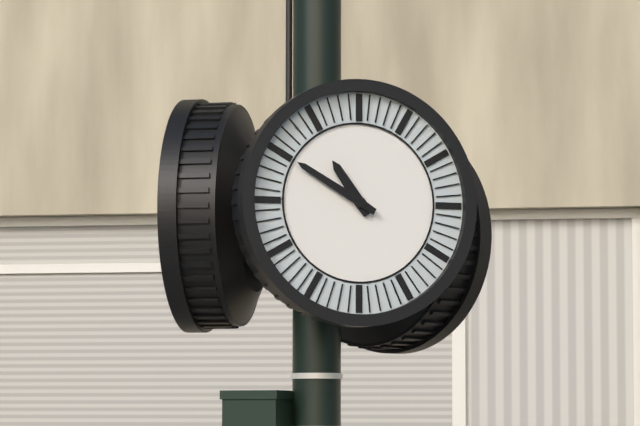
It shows 10.50
